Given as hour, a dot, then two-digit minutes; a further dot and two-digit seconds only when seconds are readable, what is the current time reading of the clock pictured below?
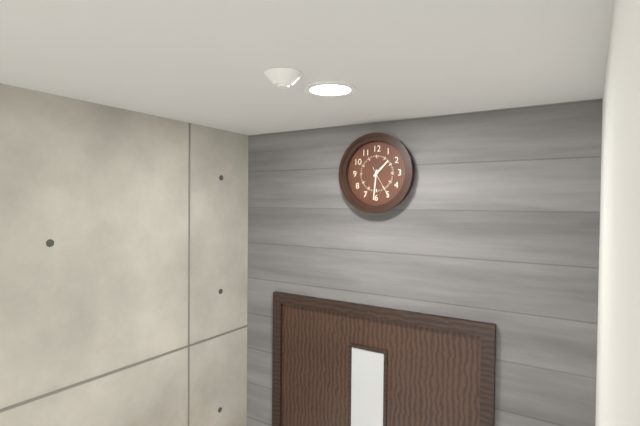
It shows 1.31
